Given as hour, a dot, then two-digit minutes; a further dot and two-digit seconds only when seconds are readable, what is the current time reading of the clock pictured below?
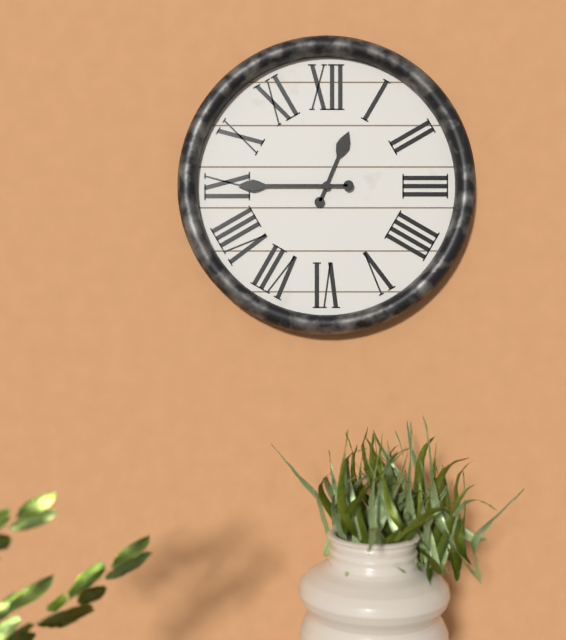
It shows 12.45
